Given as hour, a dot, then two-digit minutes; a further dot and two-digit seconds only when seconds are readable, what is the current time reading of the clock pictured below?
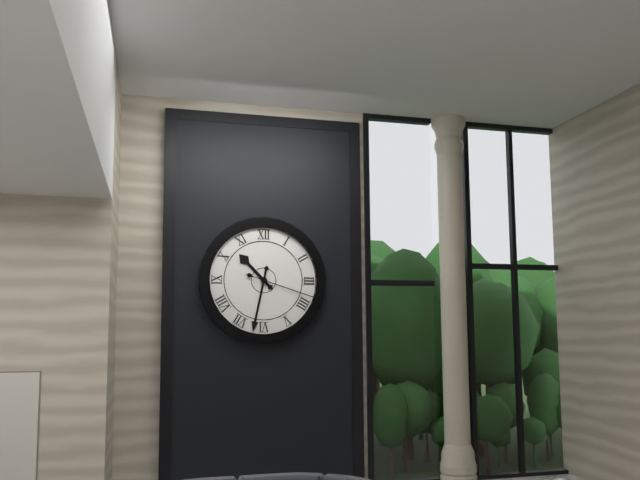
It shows 10.32.18
